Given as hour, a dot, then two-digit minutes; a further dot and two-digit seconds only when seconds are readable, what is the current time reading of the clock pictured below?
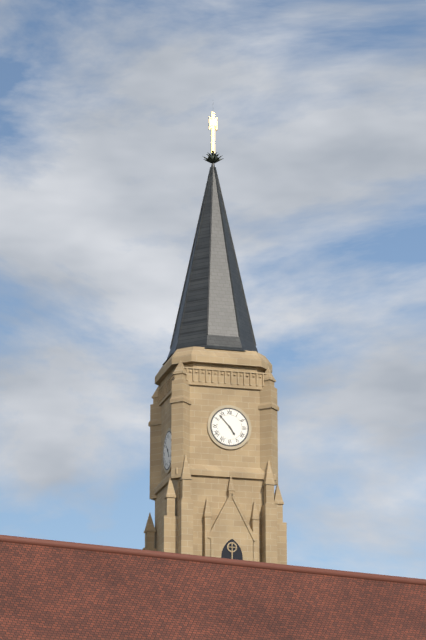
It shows 4.53
